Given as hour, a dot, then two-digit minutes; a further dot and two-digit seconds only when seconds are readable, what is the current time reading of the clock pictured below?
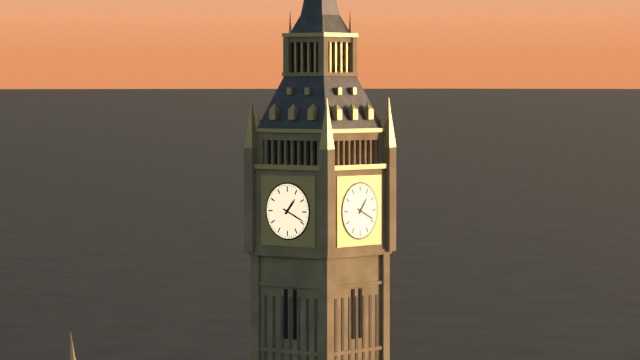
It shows 1.19
